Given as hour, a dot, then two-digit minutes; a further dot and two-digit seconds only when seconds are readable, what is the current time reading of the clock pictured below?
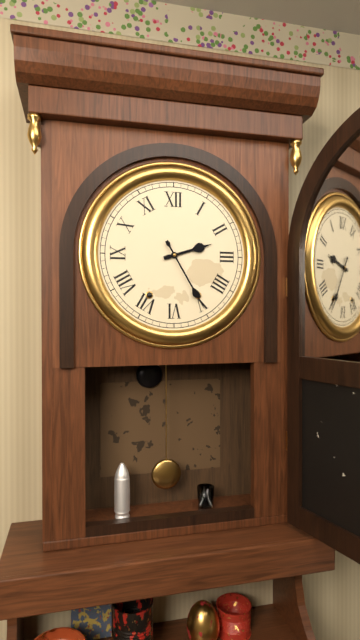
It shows 2.25
